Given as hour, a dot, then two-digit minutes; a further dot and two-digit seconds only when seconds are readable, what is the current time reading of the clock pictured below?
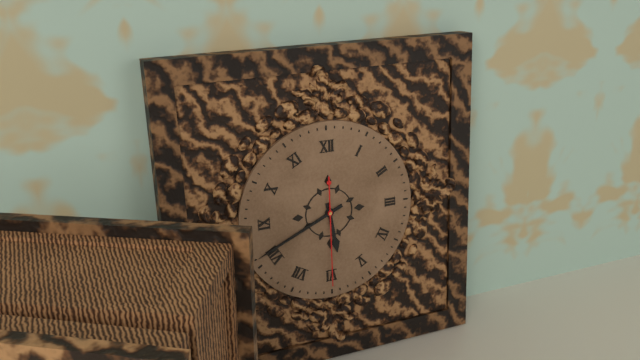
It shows 5.41.30
